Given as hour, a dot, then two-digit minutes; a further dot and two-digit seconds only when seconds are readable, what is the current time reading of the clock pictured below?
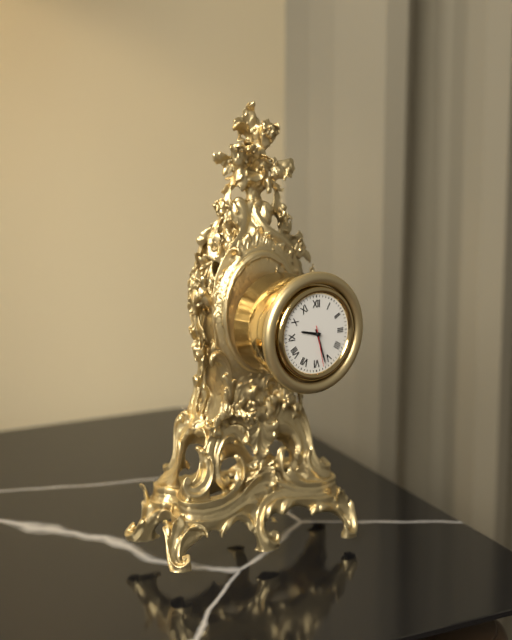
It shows 9.27
